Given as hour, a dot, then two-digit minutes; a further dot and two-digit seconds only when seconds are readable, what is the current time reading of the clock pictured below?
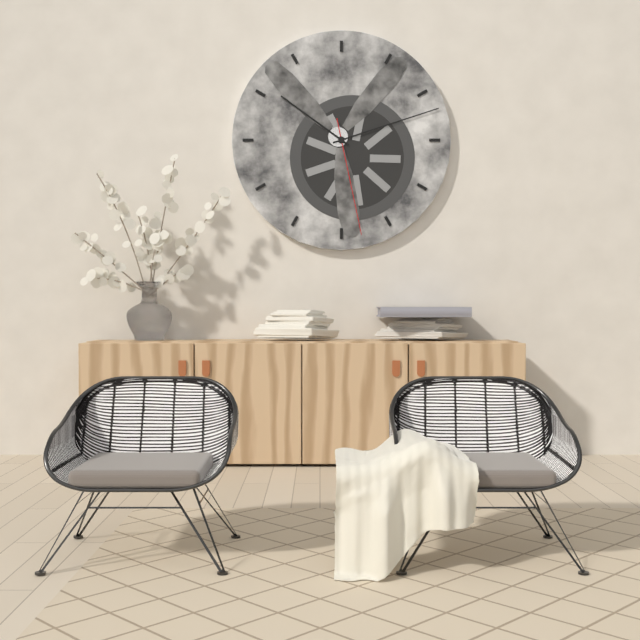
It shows 10.12.28
